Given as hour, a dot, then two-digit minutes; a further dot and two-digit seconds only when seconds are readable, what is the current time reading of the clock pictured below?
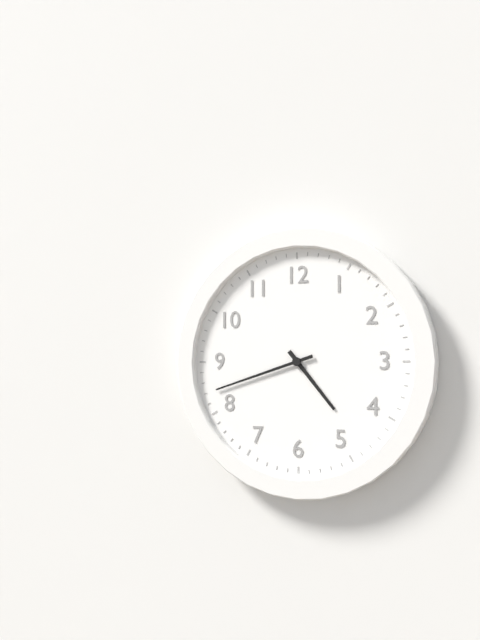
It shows 4.42
